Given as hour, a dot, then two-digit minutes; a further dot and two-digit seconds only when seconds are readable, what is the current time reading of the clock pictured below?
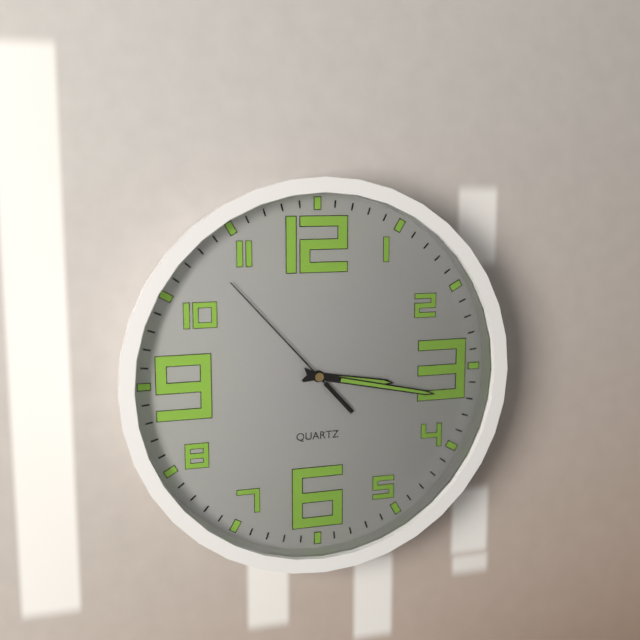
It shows 3.17.53
